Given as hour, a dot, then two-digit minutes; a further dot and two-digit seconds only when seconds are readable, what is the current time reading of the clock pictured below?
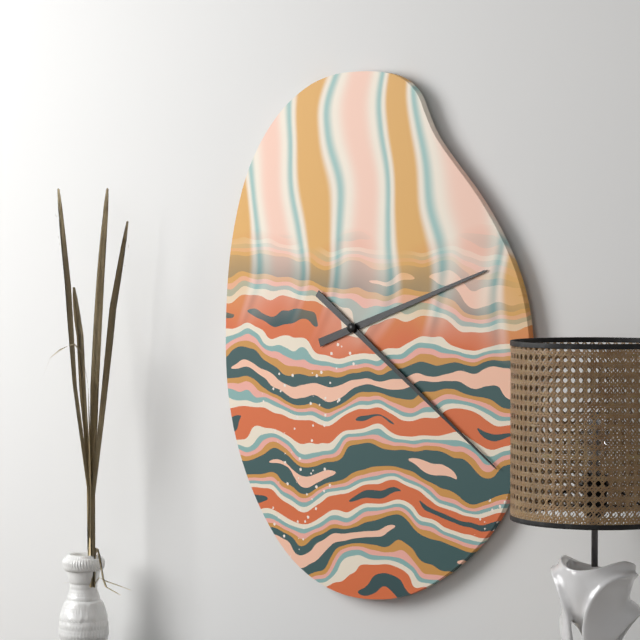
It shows 2.21
